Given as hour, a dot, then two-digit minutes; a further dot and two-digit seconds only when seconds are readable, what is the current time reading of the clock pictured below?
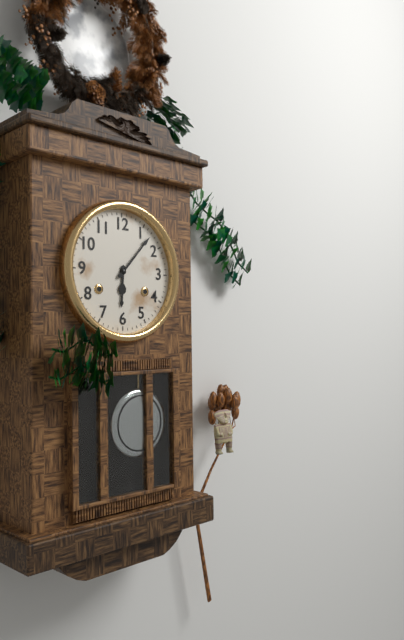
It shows 6.07
